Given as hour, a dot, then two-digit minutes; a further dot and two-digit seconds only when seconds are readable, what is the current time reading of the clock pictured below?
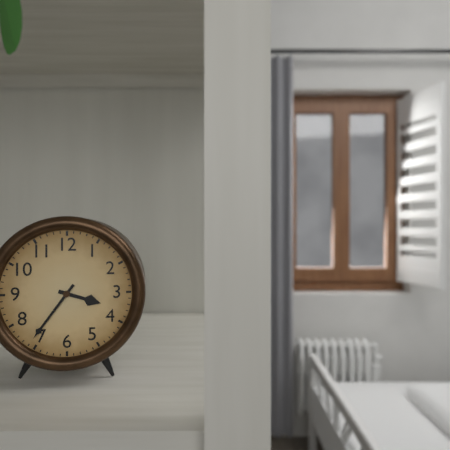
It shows 3.36
